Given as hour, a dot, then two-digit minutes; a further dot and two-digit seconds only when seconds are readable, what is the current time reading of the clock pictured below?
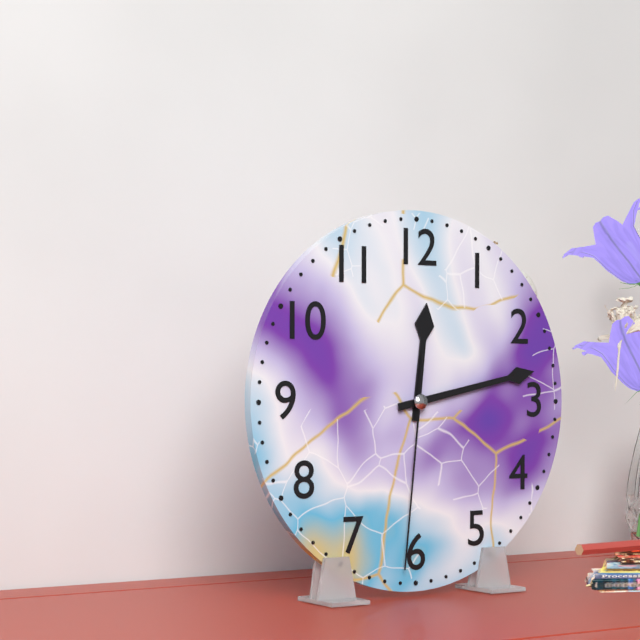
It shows 12.13.31
